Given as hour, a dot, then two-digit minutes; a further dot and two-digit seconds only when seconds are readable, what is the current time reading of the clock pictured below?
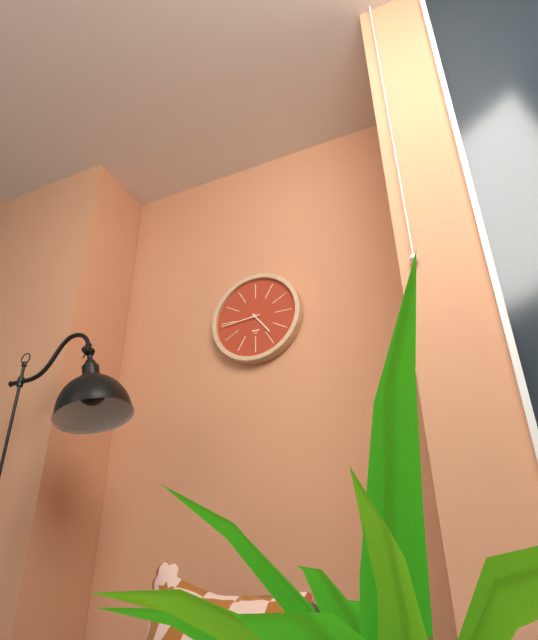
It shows 4.44
